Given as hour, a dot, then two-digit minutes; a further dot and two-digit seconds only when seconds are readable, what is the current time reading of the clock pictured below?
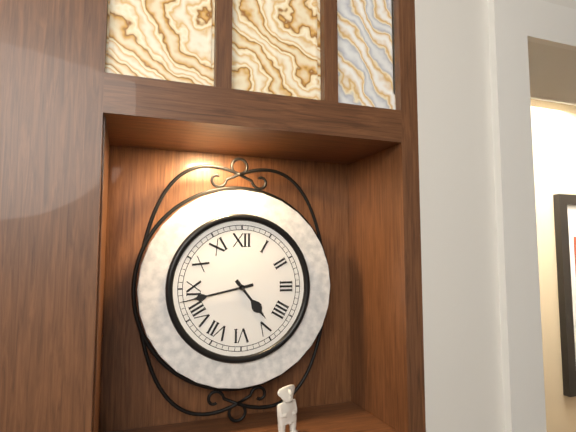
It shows 4.43
